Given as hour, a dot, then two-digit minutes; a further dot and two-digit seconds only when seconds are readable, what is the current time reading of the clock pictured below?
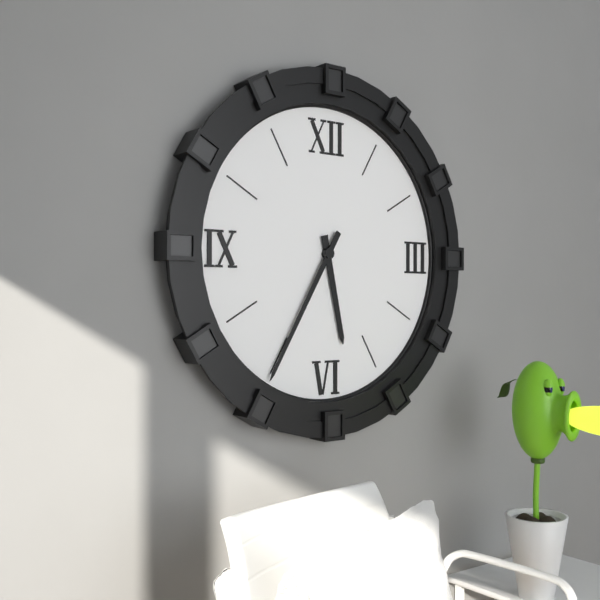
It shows 5.35
